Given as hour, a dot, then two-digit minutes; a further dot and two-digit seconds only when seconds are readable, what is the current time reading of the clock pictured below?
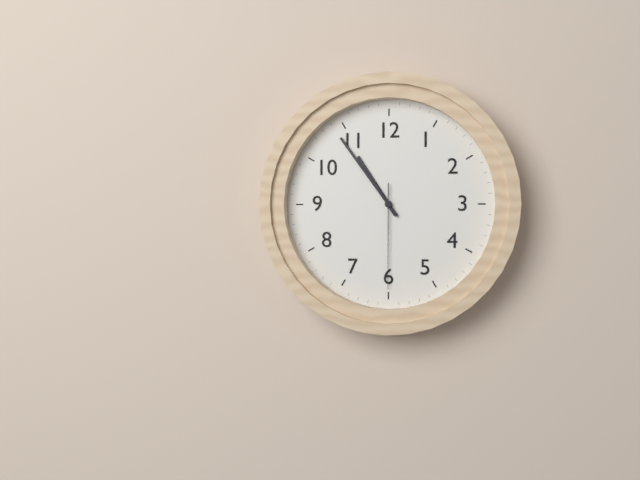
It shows 10.54.30
